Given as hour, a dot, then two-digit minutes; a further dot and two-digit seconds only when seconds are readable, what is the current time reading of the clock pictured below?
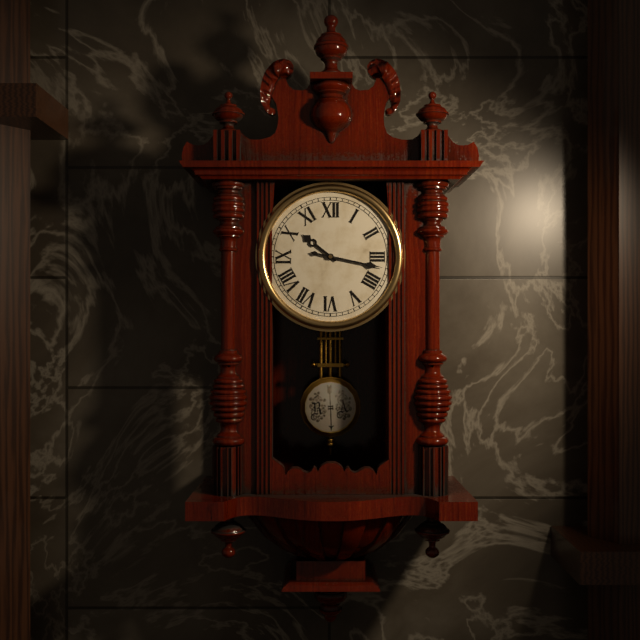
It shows 10.17
